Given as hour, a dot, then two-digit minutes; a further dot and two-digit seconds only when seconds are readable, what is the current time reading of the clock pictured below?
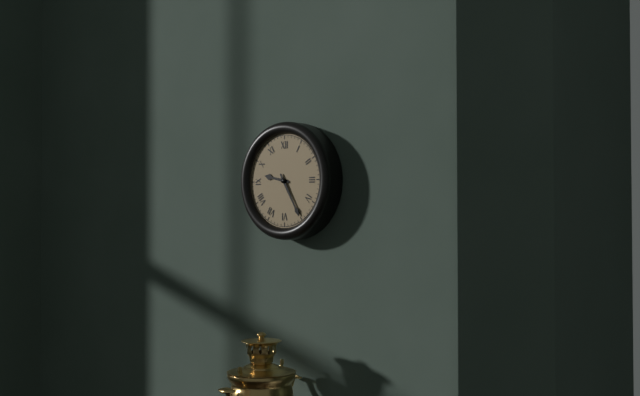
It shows 9.25
